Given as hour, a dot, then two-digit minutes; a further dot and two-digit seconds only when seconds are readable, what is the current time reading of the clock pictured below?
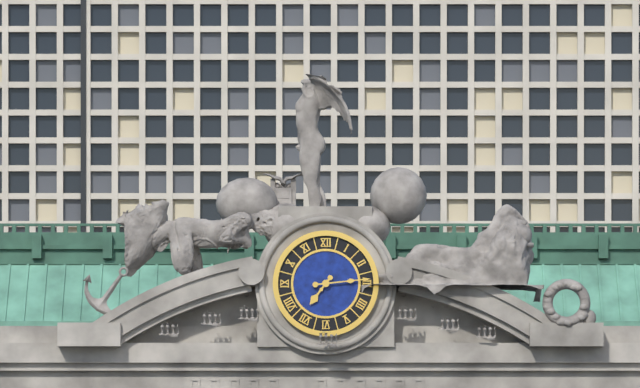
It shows 7.14
